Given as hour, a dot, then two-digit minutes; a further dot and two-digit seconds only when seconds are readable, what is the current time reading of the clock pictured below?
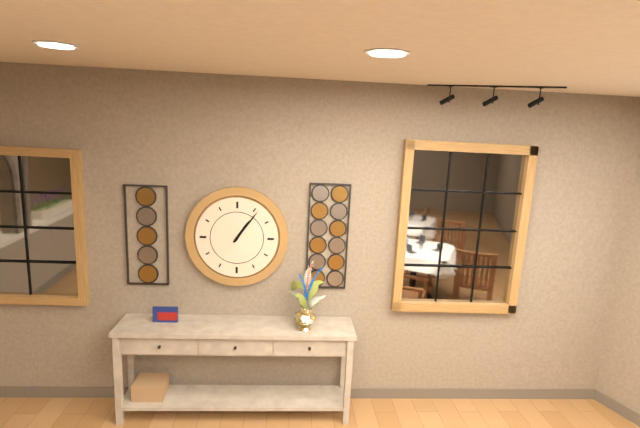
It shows 1.06
